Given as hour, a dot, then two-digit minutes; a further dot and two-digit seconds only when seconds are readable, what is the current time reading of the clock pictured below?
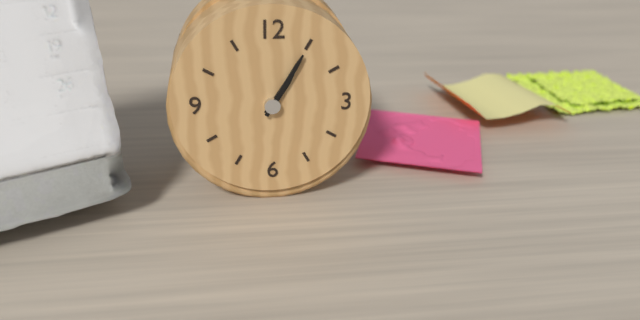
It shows 1.05
